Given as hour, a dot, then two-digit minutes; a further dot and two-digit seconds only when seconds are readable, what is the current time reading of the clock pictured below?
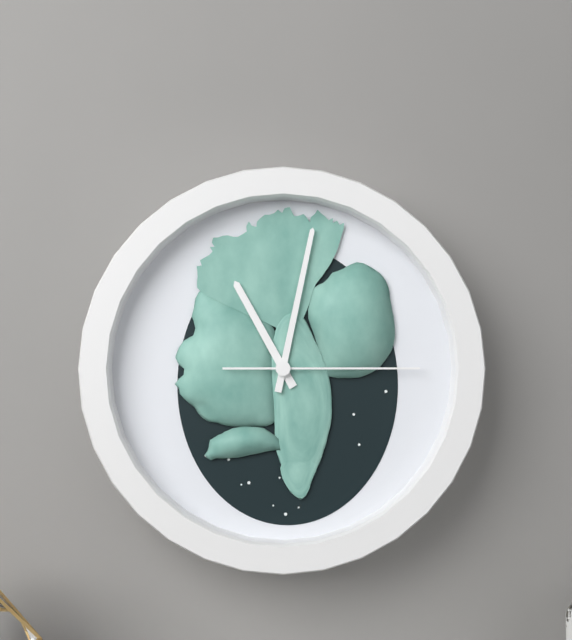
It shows 11.02.15
